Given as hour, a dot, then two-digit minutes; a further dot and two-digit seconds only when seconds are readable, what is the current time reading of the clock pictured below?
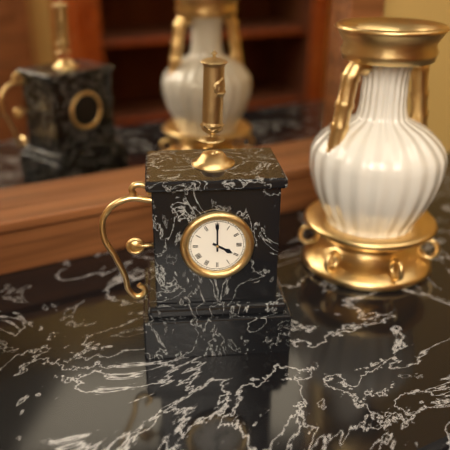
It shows 4.00
